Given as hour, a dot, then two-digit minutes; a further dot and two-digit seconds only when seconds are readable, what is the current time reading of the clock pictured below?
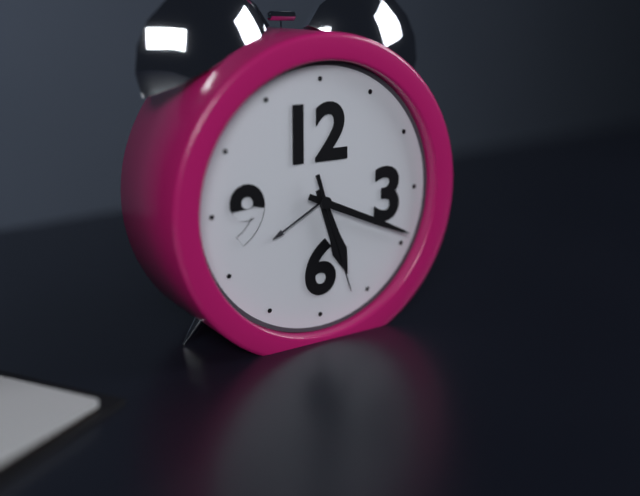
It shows 5.19.27
